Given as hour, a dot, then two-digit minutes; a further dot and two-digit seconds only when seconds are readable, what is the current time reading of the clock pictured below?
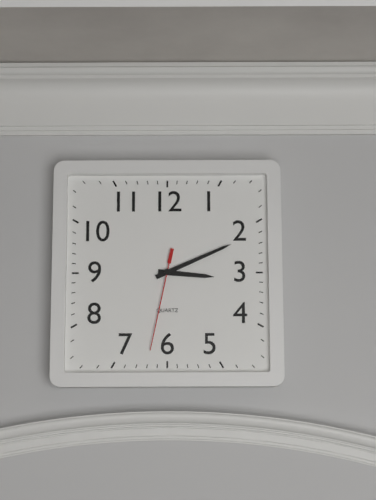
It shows 3.11.32
